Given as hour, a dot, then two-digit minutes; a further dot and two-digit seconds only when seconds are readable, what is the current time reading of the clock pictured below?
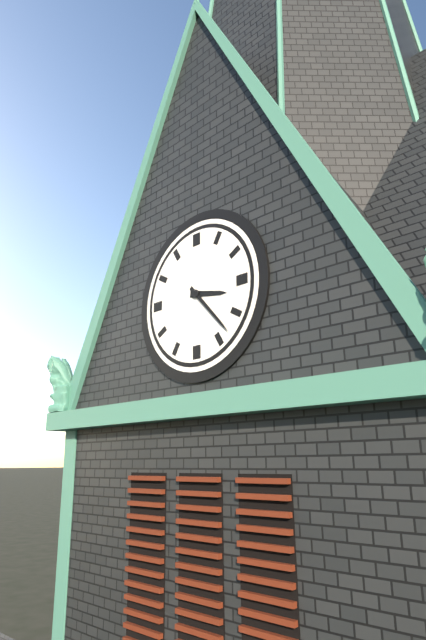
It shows 3.23
